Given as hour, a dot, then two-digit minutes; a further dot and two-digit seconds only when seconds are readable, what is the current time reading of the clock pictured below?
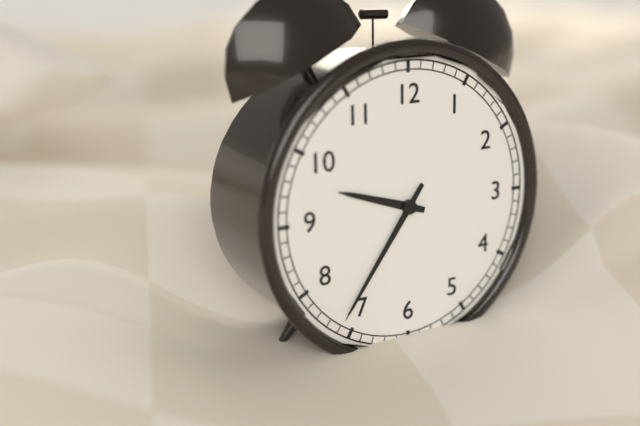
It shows 9.36
